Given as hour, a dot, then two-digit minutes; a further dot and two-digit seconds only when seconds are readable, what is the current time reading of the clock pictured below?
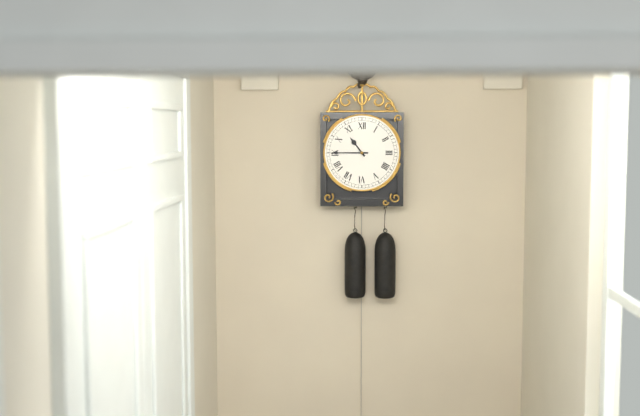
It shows 10.45
